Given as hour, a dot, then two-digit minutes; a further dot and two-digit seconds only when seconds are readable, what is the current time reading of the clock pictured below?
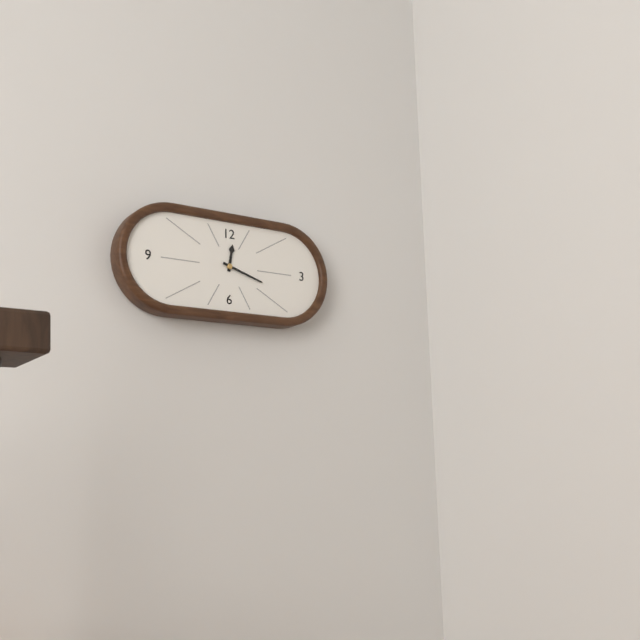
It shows 12.18
